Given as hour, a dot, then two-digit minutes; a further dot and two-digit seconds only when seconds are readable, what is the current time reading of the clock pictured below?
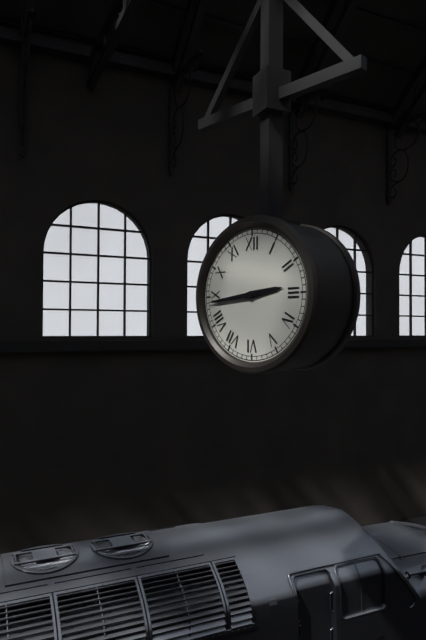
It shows 2.44
